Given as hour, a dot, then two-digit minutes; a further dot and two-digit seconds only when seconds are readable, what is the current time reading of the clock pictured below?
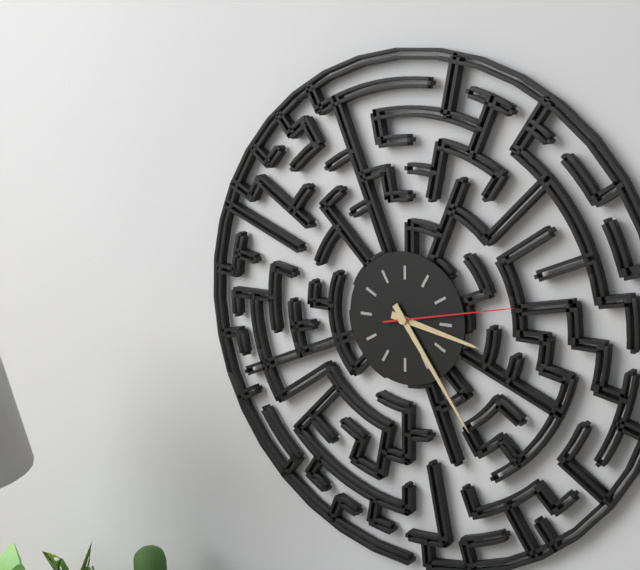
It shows 3.24.13
